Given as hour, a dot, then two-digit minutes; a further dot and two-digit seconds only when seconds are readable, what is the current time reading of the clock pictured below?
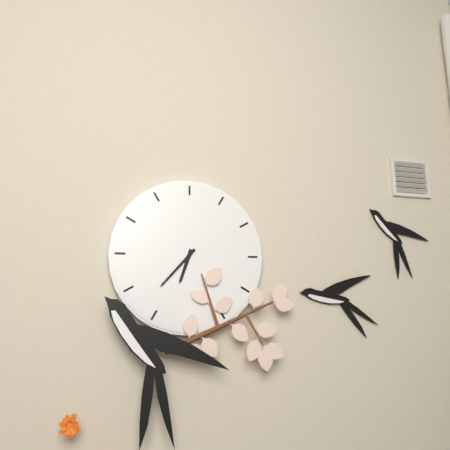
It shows 6.37
